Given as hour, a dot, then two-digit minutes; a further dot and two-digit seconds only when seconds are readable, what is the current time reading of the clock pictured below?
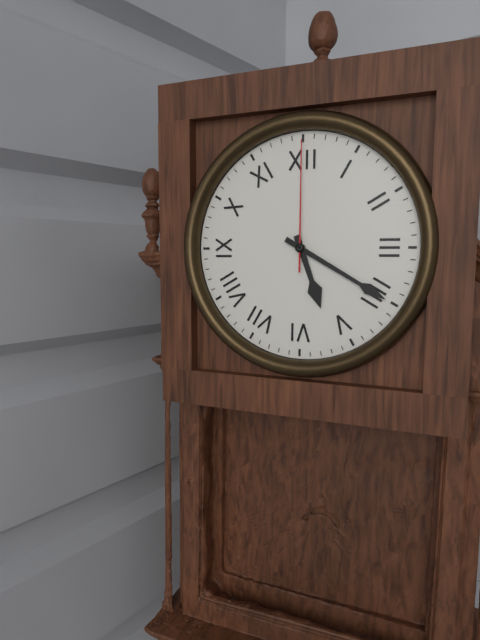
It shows 5.20.00
